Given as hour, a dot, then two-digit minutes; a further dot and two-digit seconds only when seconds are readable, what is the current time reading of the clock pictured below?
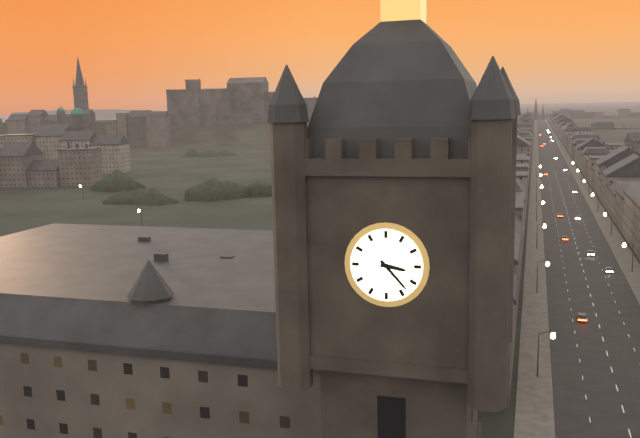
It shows 3.23
